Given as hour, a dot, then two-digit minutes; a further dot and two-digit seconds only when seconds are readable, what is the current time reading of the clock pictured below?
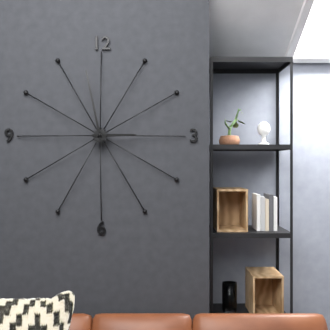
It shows 2.58
